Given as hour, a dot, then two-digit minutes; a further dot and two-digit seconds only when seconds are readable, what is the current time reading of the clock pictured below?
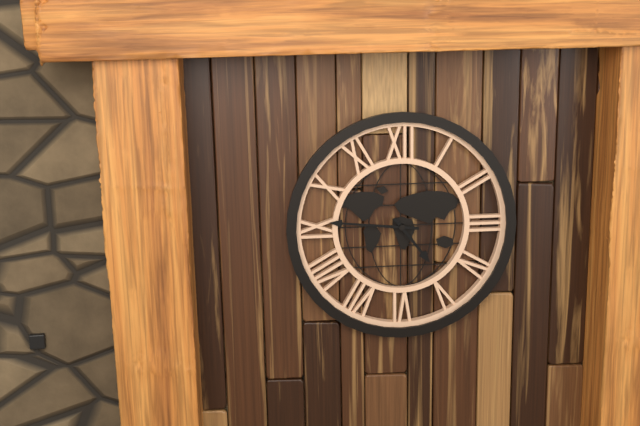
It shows 4.46
